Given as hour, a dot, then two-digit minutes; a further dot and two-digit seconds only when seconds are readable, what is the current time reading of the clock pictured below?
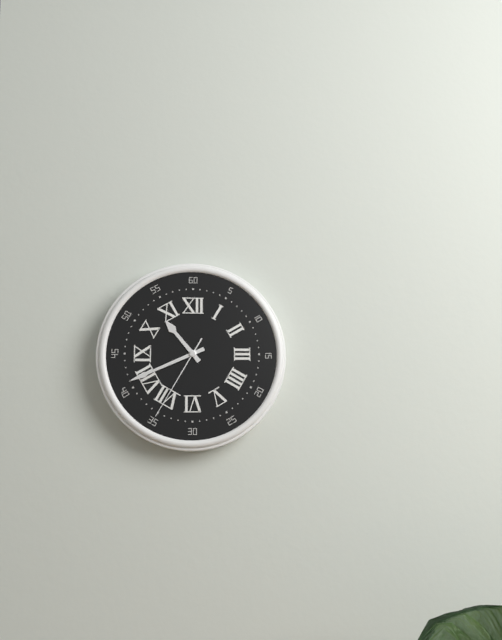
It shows 10.41.35
